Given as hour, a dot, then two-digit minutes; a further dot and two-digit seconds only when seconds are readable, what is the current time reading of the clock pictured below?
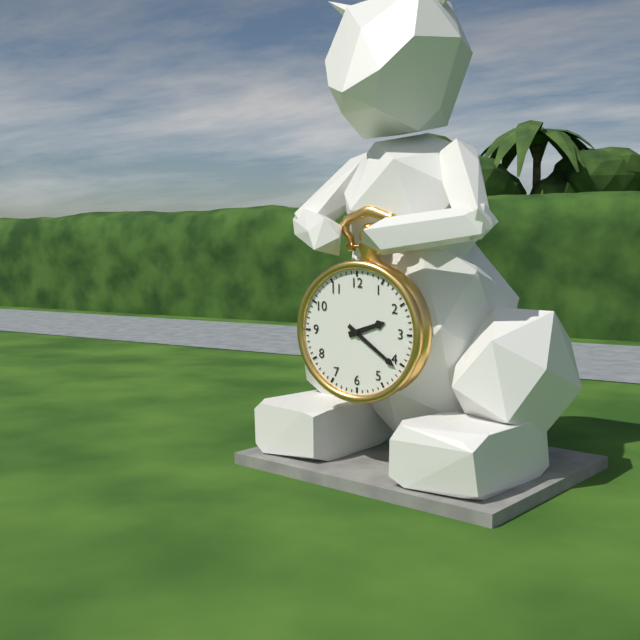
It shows 2.21
